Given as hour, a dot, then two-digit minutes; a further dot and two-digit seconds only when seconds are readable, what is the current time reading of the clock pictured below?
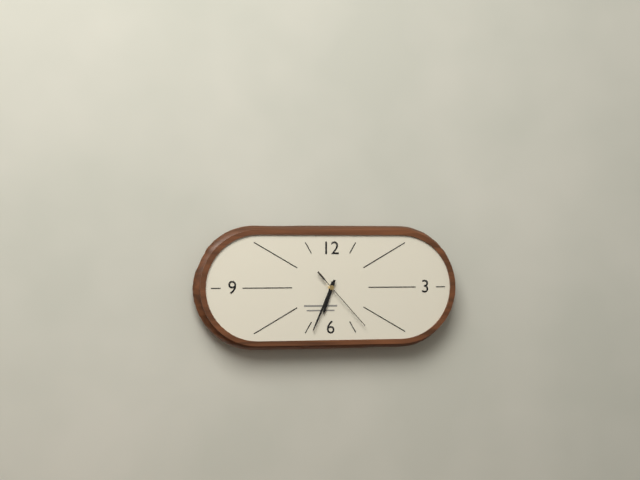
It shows 6.34.23
